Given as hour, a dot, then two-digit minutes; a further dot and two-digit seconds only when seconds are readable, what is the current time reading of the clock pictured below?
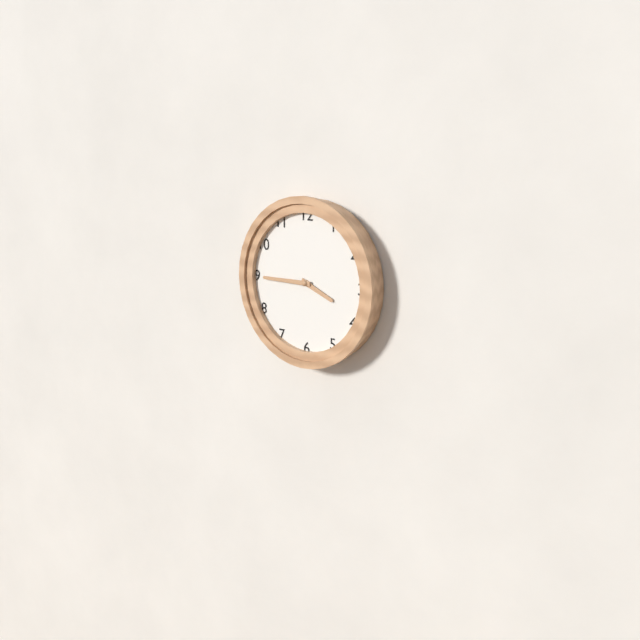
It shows 3.45
